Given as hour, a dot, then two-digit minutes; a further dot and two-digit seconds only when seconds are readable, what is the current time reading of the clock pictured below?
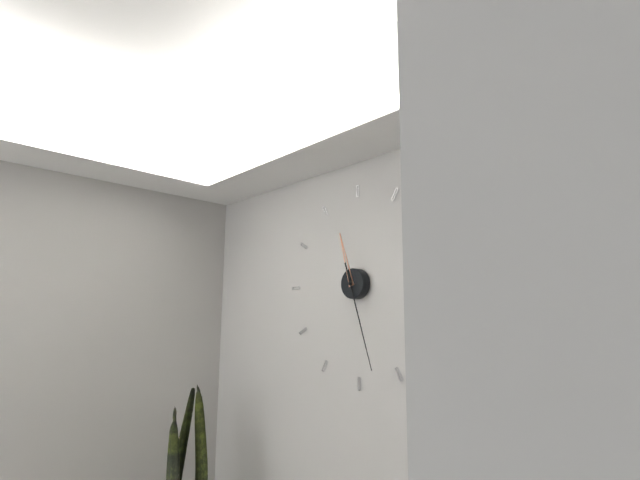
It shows 11.27
